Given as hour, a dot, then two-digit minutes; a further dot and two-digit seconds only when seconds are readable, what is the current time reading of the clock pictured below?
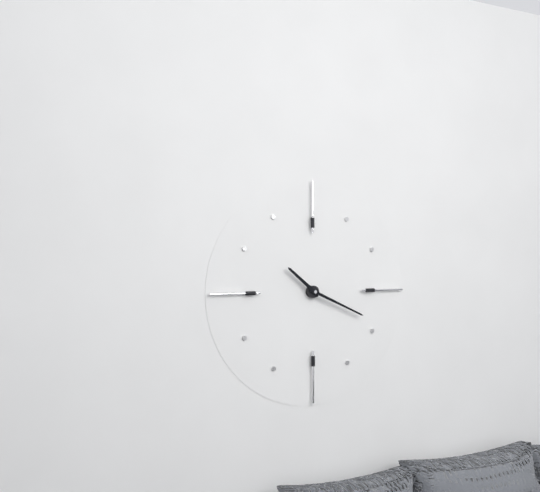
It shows 10.19
